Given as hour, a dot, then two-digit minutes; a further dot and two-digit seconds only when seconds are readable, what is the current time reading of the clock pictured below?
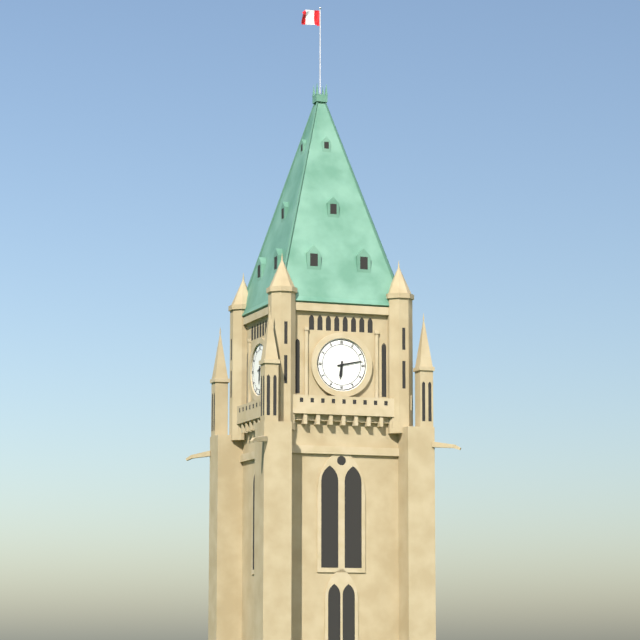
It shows 6.13
